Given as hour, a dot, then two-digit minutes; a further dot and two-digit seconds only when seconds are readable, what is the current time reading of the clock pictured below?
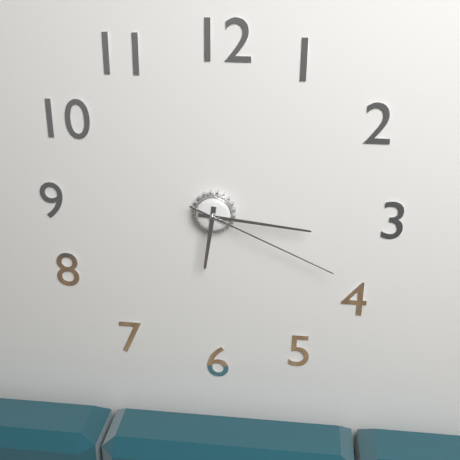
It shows 6.16.19
